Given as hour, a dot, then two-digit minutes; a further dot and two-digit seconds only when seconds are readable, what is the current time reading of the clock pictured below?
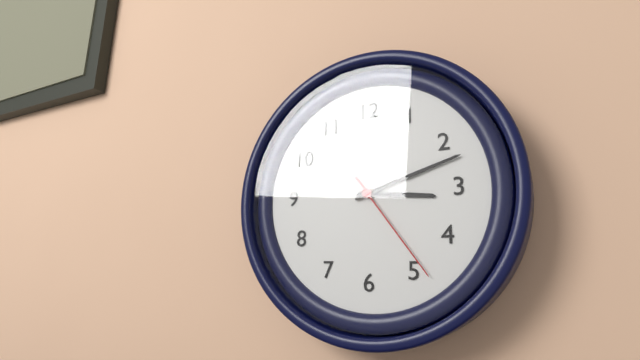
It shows 3.12.24
